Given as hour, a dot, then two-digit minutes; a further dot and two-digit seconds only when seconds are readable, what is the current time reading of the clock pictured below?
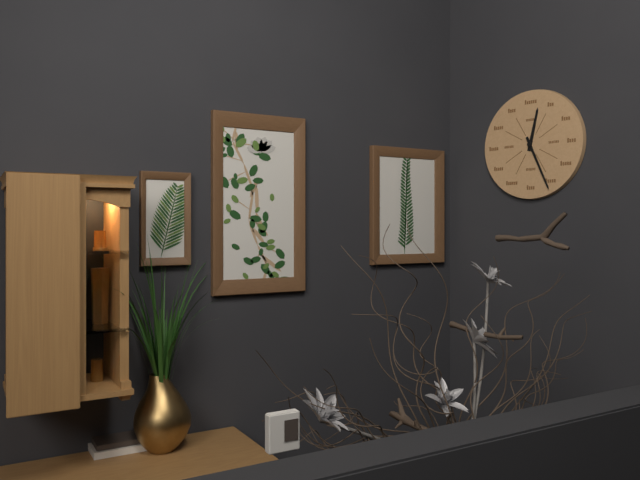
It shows 12.26
